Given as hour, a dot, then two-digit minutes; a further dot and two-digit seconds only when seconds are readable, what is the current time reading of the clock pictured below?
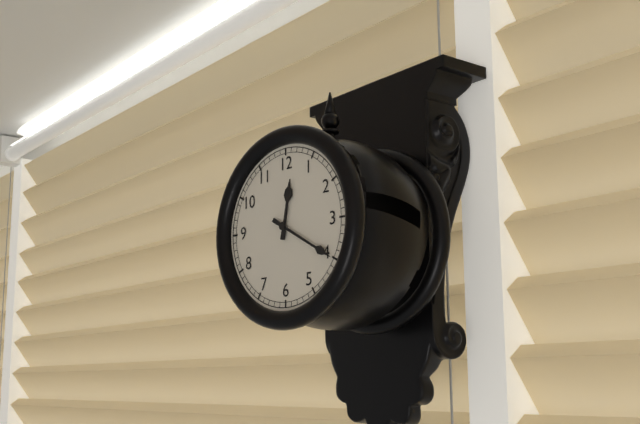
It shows 12.20
